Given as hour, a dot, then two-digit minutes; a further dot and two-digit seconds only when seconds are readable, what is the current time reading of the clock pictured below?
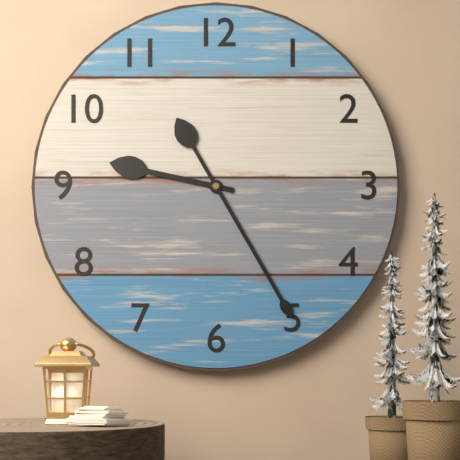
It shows 9.25
